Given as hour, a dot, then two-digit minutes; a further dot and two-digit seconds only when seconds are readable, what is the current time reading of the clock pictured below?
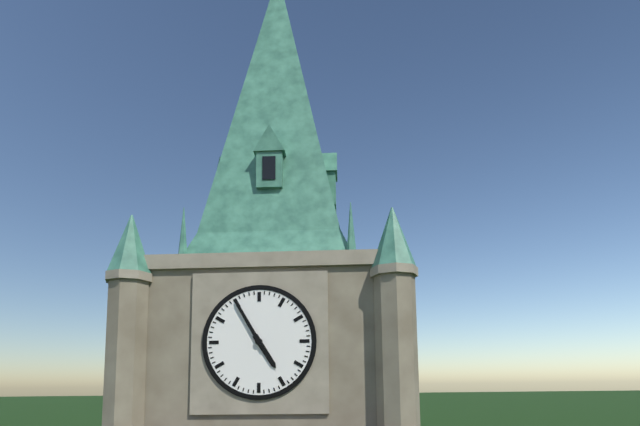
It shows 4.55
